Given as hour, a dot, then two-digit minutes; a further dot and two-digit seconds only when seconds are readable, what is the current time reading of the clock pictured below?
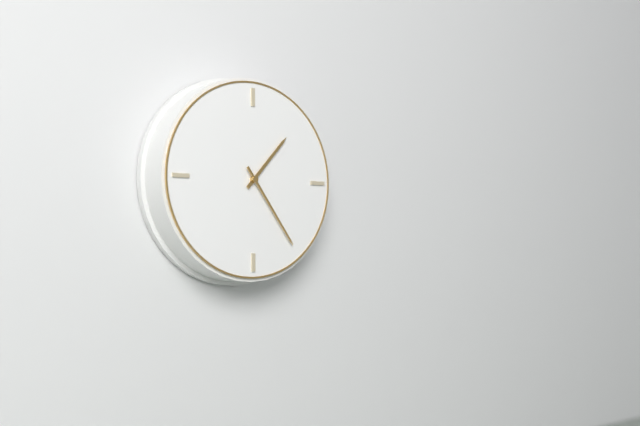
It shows 1.24
